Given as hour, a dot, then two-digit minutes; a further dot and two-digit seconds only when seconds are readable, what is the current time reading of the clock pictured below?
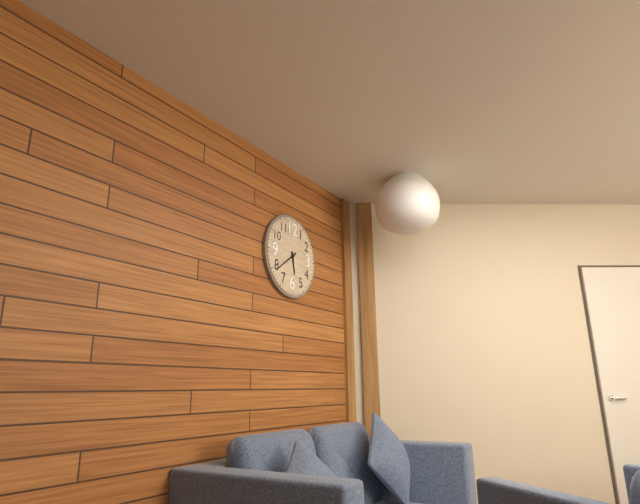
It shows 5.39
